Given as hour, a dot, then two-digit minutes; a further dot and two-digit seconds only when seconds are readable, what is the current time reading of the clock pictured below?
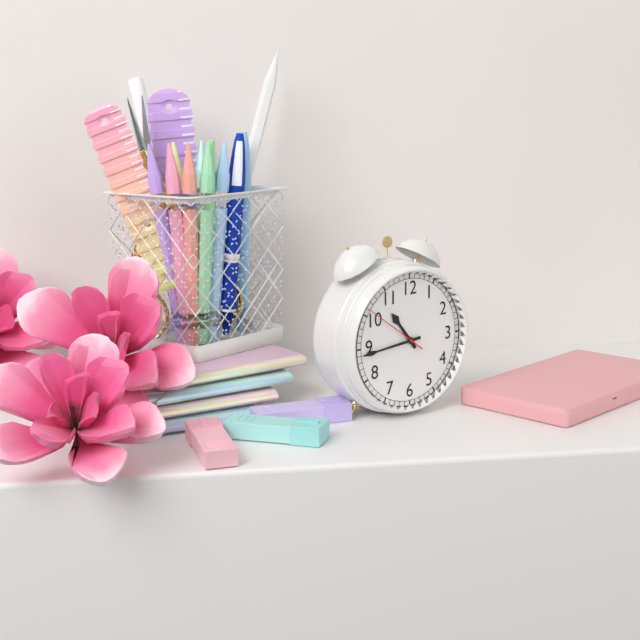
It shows 10.44.51
